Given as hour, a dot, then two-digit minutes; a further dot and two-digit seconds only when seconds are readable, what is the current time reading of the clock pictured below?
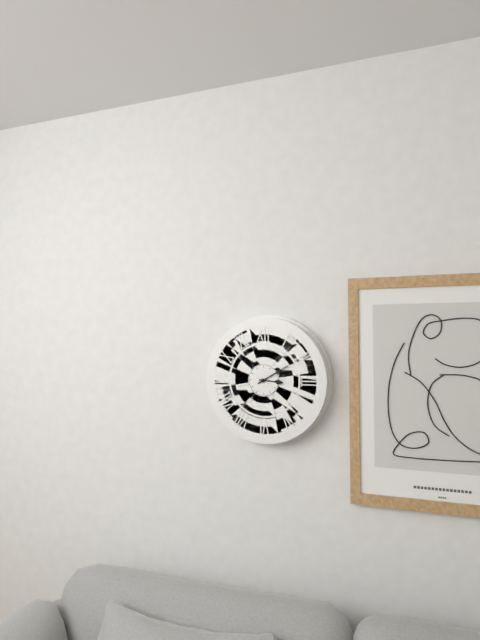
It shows 3.10
